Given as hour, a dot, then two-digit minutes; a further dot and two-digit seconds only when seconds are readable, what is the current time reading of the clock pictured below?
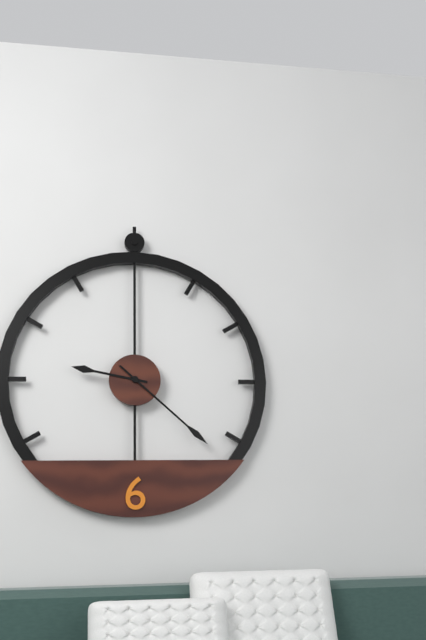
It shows 9.22
